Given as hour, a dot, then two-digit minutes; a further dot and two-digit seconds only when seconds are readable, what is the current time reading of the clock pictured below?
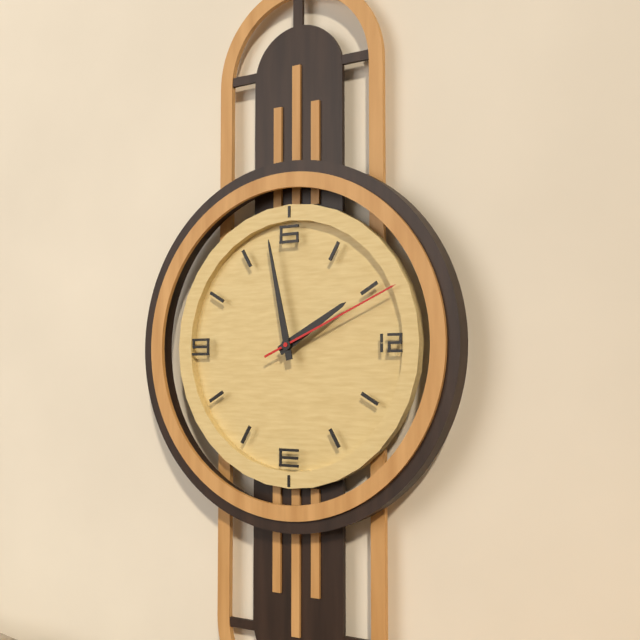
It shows 1.58.11
